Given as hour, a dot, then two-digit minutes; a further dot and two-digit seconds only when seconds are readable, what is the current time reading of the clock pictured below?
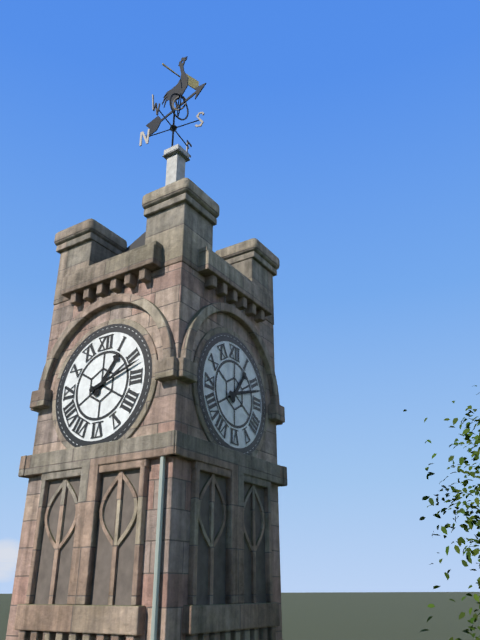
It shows 1.12
